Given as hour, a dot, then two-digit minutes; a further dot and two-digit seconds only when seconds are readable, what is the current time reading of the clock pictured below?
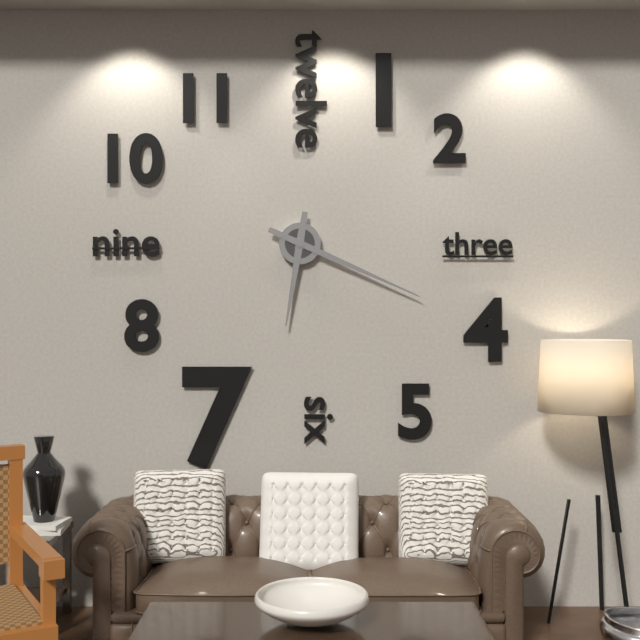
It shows 6.19
